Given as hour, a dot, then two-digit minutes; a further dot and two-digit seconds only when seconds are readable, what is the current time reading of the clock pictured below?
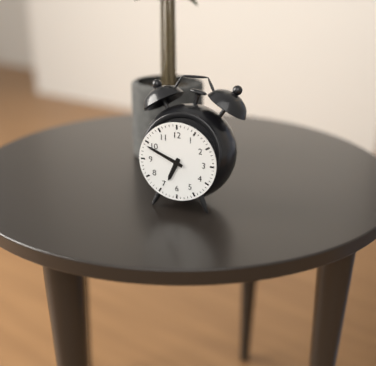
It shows 6.49
